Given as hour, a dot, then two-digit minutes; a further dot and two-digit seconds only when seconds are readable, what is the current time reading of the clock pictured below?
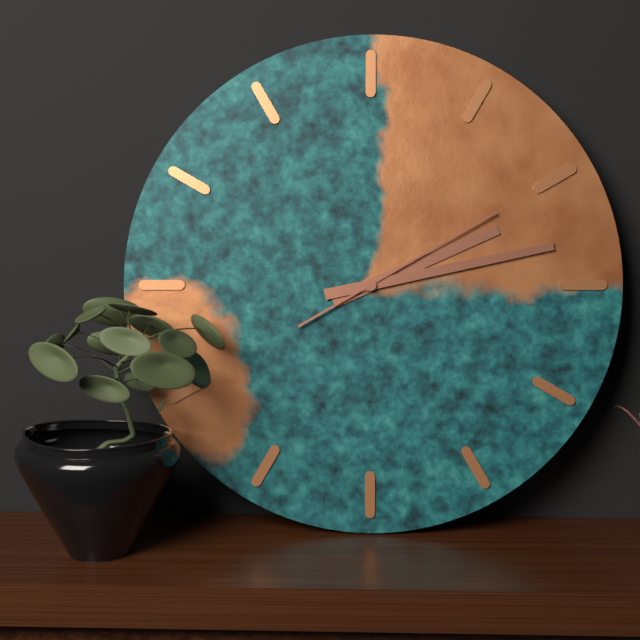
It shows 2.13.10
